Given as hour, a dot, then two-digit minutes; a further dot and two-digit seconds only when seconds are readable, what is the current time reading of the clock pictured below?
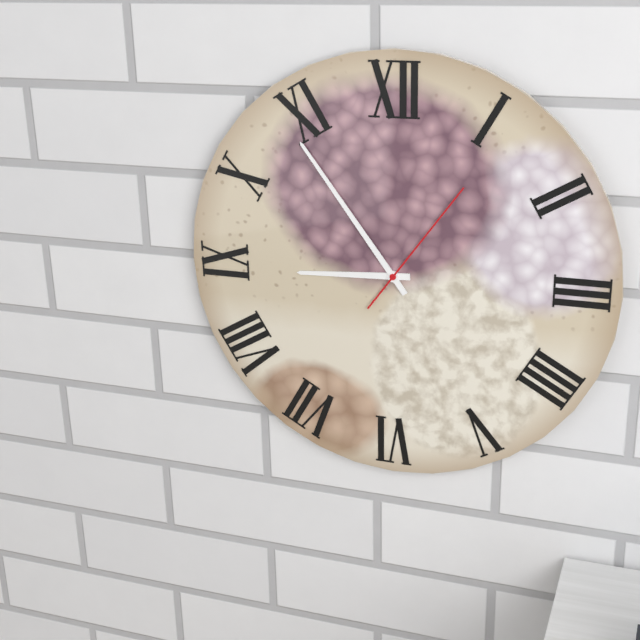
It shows 8.54.06
